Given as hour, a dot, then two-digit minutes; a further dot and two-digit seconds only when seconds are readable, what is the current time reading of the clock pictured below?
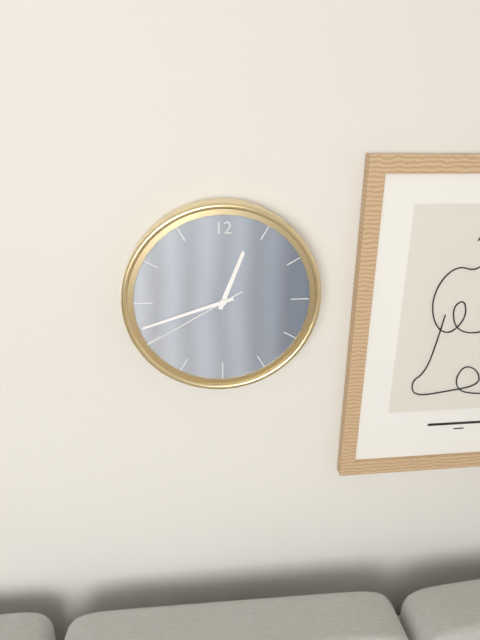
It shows 12.42.40
